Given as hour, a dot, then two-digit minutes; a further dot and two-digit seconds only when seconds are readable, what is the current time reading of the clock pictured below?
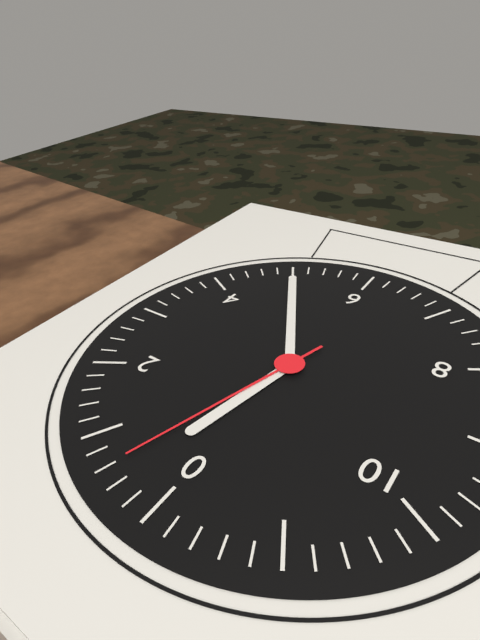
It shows 12.25.03
